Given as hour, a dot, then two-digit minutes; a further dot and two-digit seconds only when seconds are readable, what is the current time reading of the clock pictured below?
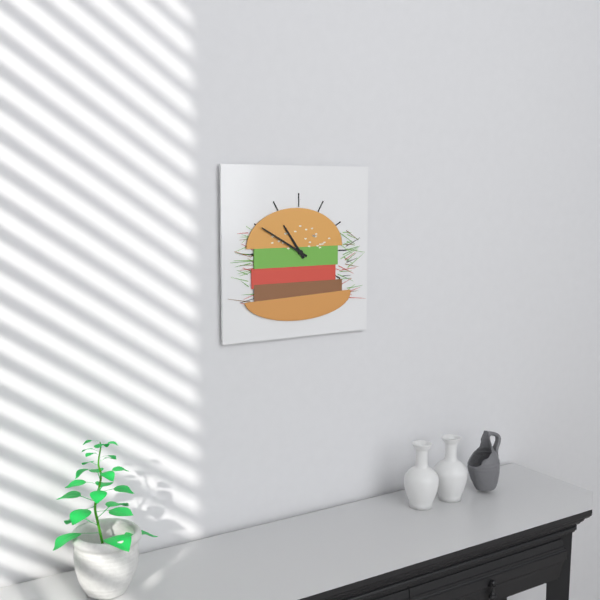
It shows 10.50
